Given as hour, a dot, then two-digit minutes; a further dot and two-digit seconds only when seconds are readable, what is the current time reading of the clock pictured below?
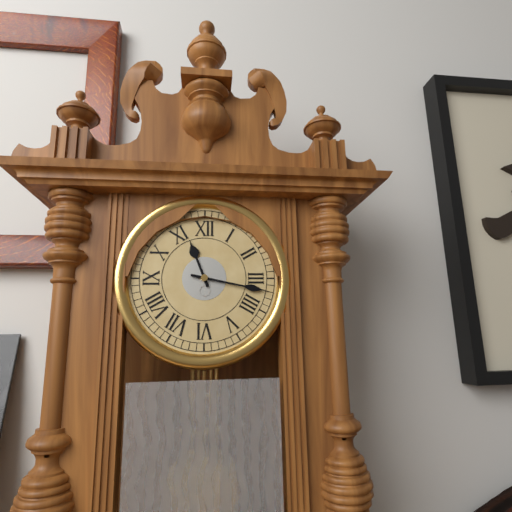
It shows 11.17
